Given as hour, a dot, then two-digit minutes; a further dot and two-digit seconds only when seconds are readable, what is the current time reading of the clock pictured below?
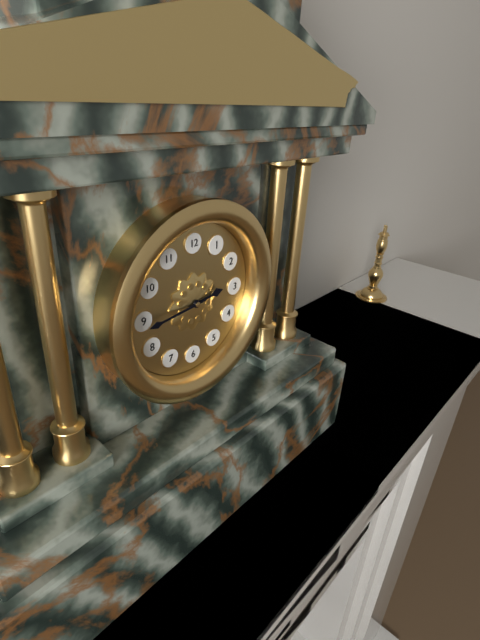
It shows 2.44
